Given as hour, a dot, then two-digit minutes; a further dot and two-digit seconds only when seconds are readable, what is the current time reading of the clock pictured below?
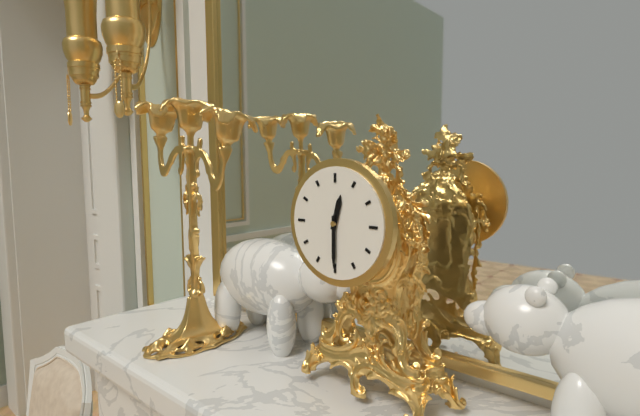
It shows 12.30
